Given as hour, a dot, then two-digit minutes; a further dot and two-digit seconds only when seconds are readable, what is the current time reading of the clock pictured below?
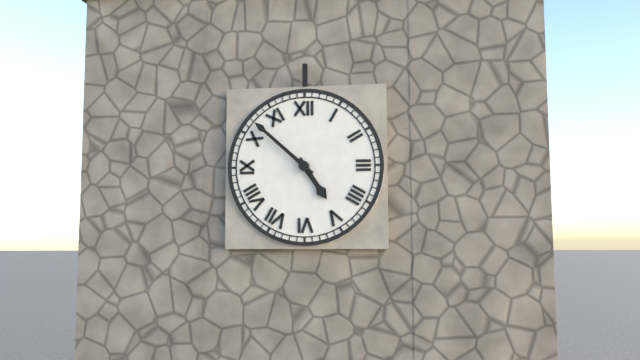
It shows 4.52
